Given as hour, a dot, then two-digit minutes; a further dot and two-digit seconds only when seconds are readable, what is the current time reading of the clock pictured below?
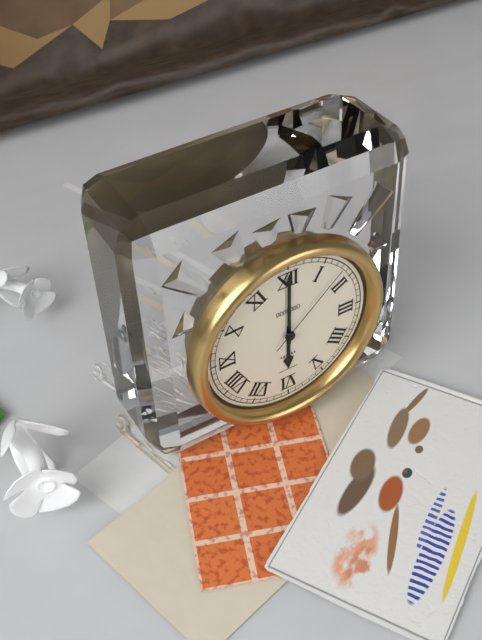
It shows 6.00.08
